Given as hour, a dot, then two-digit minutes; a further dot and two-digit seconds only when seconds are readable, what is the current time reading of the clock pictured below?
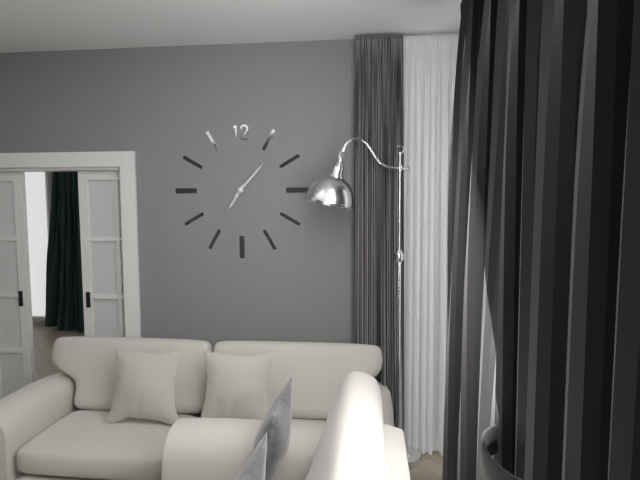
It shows 7.07
